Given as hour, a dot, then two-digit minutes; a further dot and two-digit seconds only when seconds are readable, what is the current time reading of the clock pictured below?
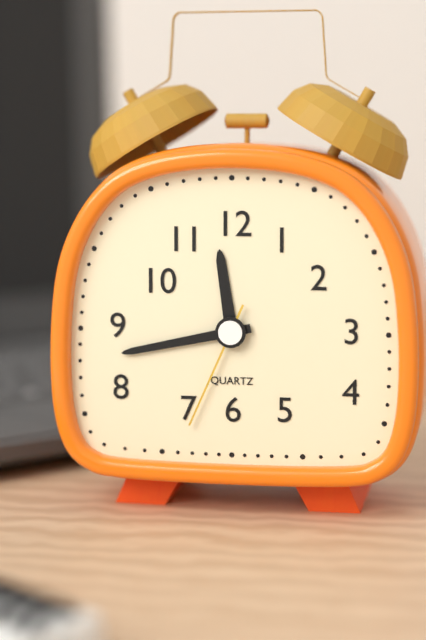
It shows 11.43.34
